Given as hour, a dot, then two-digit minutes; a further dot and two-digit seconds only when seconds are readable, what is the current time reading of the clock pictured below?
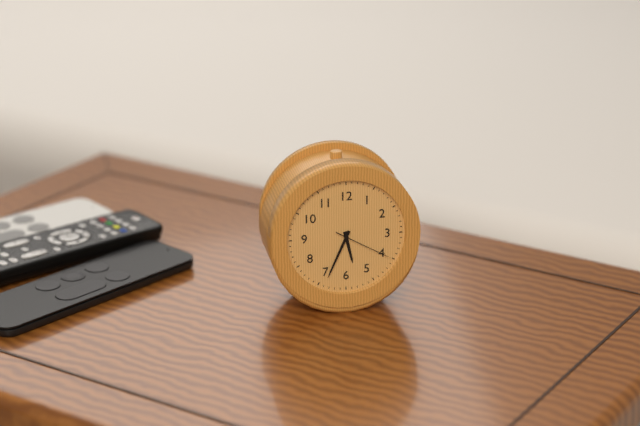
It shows 5.34.20
